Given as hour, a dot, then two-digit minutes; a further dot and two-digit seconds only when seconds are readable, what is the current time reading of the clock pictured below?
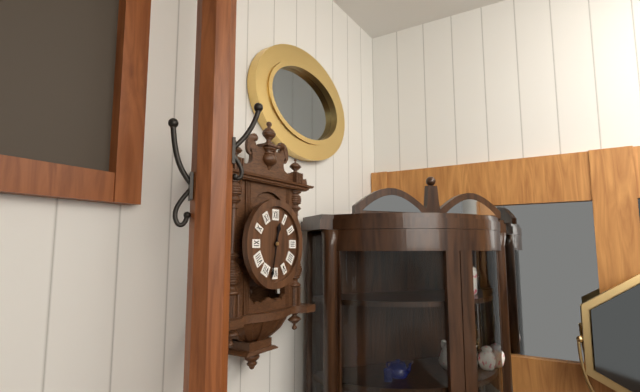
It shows 12.32
